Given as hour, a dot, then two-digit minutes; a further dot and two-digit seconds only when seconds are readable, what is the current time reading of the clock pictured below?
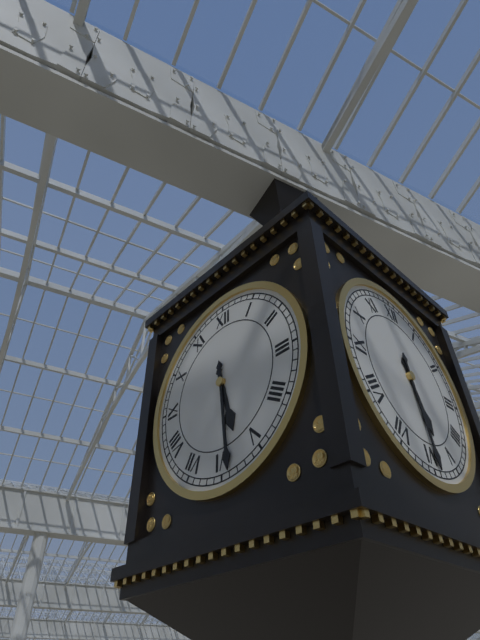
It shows 5.29
